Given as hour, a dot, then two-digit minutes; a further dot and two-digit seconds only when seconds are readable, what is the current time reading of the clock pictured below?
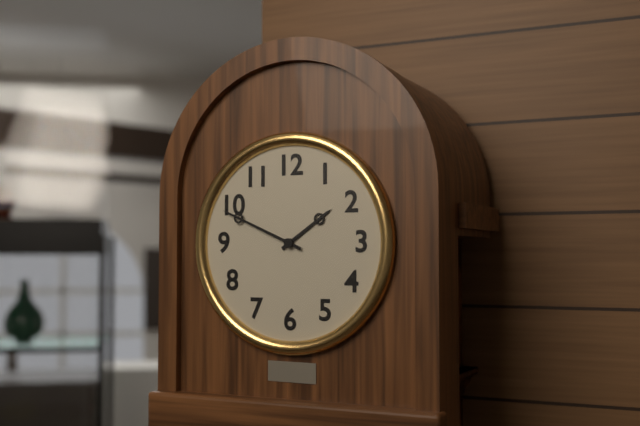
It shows 1.49
